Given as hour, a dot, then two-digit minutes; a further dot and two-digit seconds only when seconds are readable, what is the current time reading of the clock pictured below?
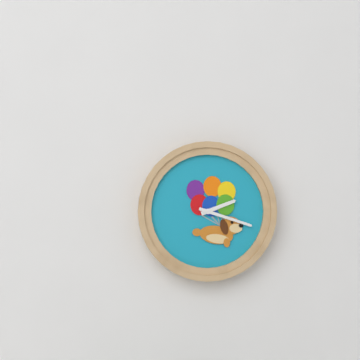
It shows 2.18
